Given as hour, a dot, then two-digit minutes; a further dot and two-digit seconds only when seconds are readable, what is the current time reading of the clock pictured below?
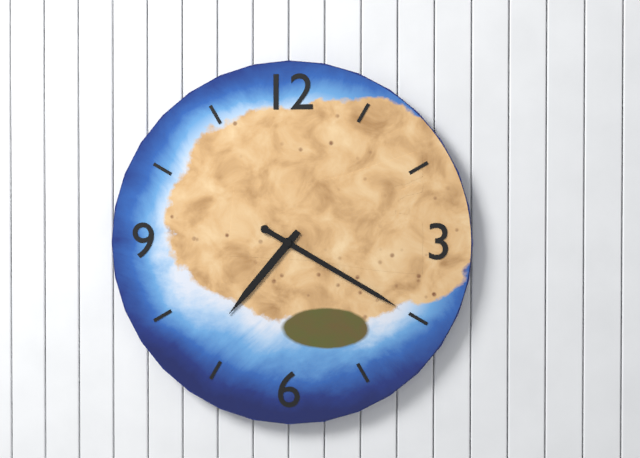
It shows 7.20
